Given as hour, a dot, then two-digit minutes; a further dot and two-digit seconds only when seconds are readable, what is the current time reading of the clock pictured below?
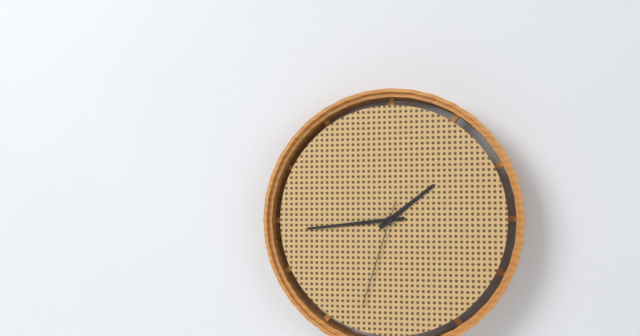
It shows 1.44.33
